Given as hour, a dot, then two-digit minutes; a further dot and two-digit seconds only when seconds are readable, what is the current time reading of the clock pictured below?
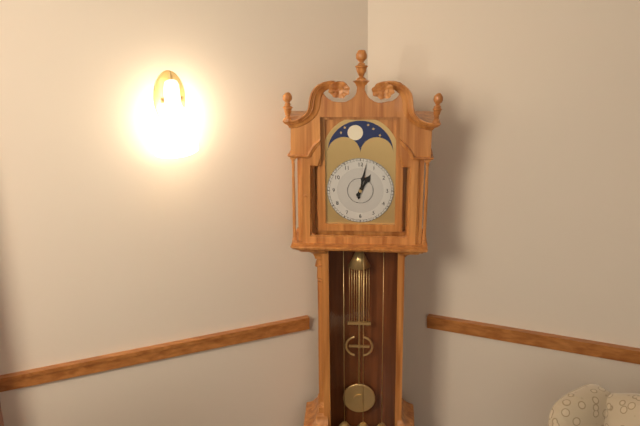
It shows 1.02
